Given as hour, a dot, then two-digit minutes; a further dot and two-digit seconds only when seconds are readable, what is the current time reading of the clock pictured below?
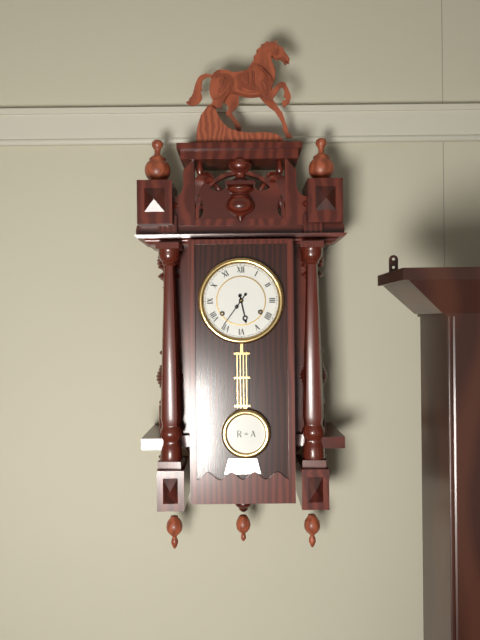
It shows 5.36
